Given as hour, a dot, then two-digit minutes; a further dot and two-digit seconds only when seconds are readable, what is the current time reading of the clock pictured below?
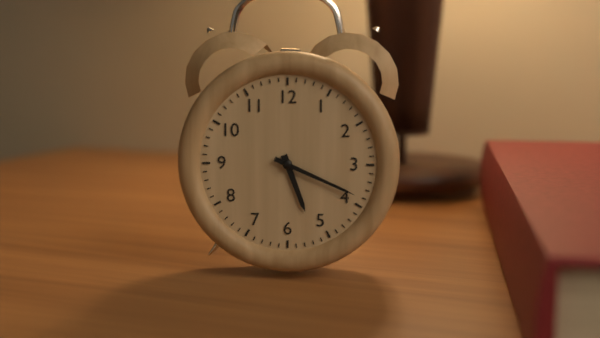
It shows 5.19
